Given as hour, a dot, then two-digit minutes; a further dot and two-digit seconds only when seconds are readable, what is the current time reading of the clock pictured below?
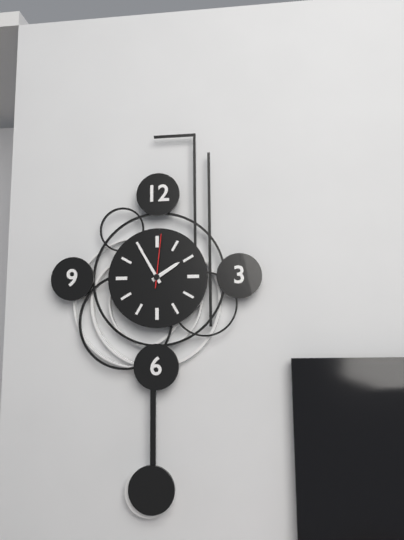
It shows 1.55.01
